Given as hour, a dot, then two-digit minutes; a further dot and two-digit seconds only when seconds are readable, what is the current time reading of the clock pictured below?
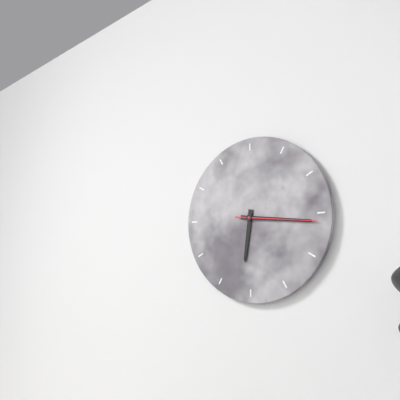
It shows 6.16.16
